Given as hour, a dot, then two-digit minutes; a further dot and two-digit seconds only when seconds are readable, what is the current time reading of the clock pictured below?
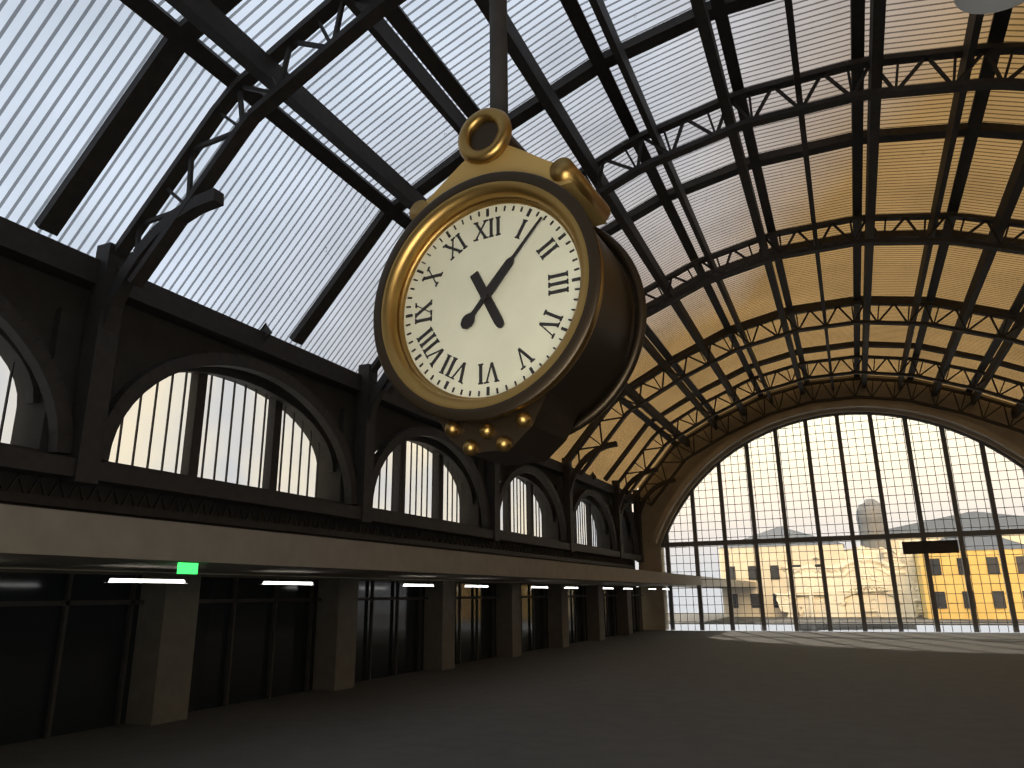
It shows 5.07
